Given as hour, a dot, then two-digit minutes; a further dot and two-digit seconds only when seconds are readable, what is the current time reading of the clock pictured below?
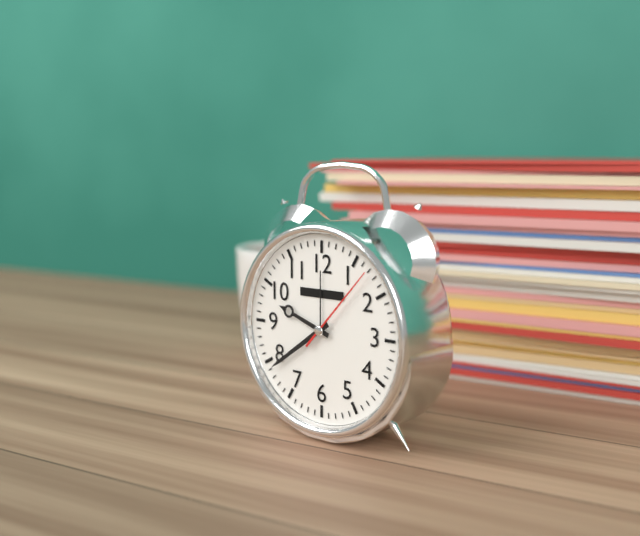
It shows 9.39.07
